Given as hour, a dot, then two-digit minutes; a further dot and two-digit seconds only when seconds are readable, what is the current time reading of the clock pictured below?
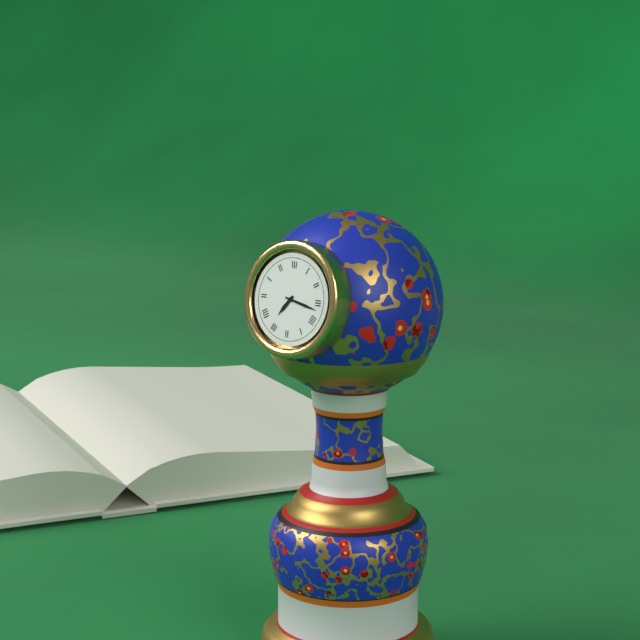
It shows 7.17
